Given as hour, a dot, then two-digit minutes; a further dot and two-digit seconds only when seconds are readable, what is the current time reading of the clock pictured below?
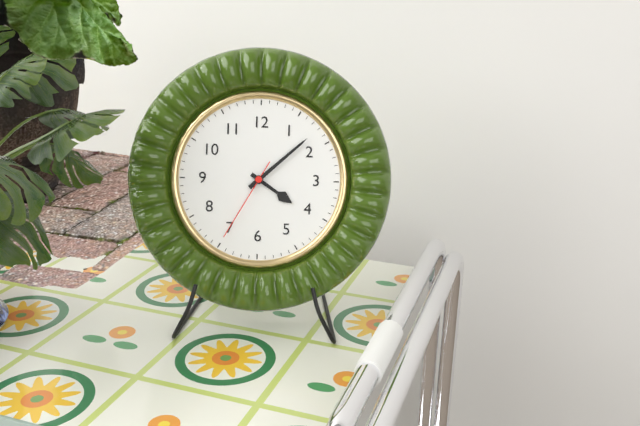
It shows 4.08.35
